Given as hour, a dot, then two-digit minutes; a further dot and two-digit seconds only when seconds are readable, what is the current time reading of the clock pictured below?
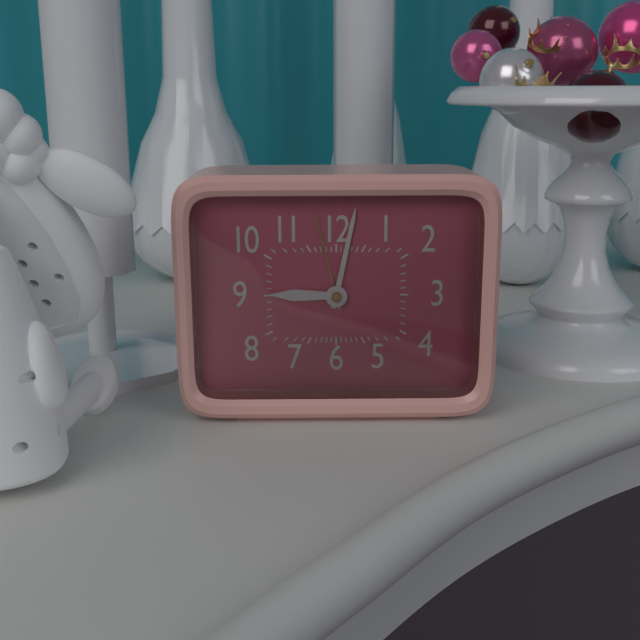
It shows 9.02
